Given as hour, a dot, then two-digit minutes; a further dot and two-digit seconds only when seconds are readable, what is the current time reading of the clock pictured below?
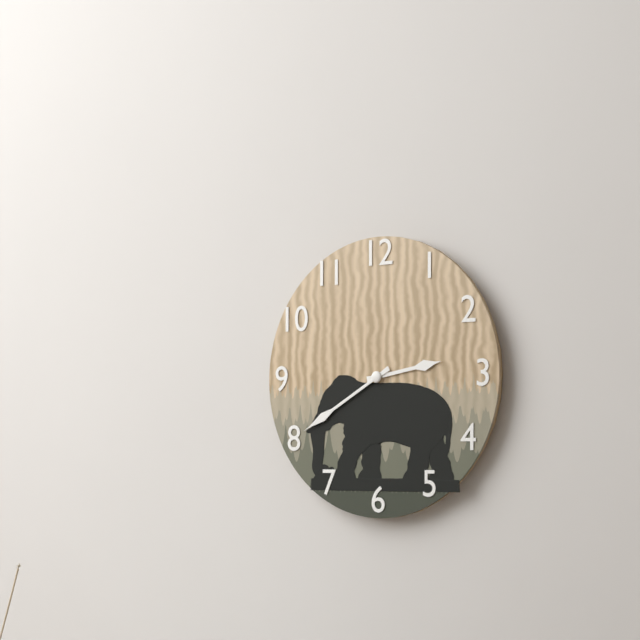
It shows 2.40
